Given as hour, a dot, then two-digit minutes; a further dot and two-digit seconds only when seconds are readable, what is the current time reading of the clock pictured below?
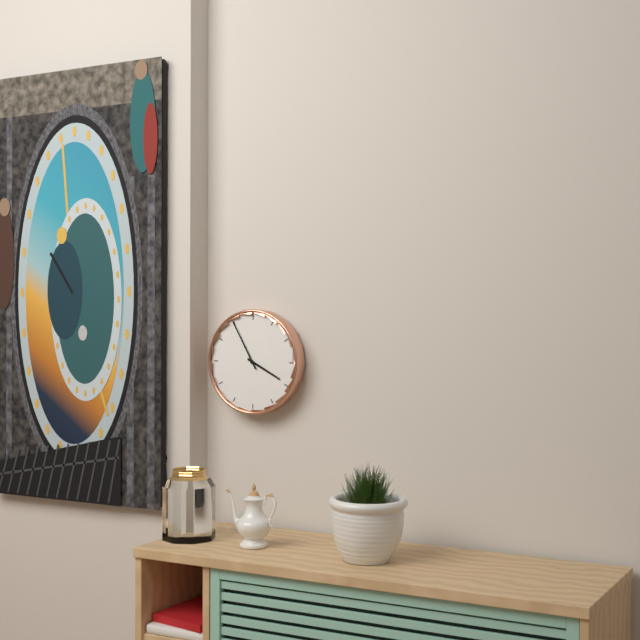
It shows 3.55
